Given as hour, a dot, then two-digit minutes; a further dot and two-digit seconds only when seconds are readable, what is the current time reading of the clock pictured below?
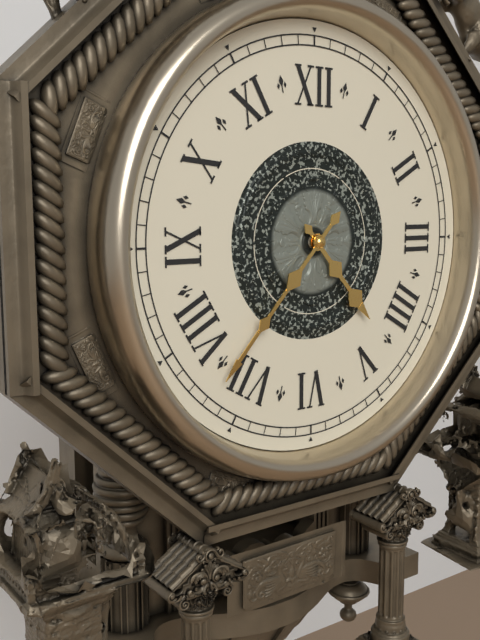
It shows 4.37
